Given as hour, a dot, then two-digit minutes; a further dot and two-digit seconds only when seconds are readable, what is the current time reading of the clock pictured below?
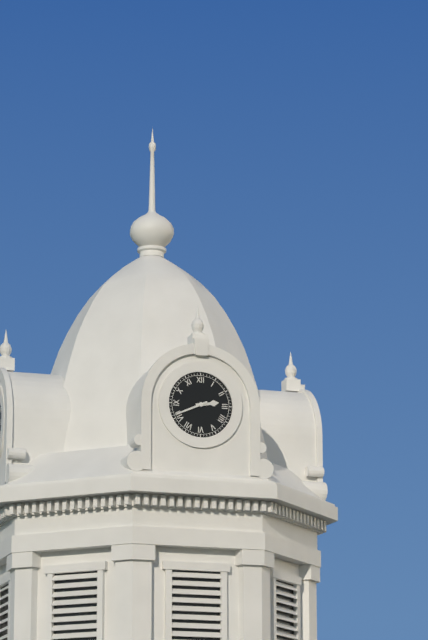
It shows 2.41
